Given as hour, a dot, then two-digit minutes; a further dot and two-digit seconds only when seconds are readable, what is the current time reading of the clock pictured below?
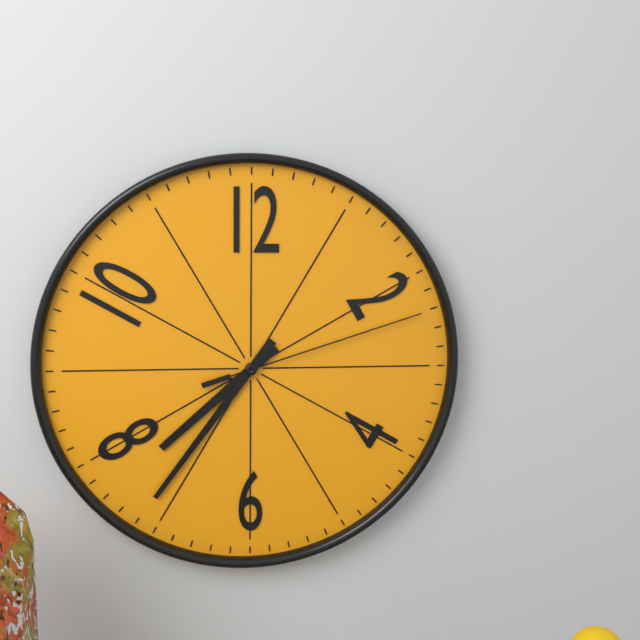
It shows 7.36.12
